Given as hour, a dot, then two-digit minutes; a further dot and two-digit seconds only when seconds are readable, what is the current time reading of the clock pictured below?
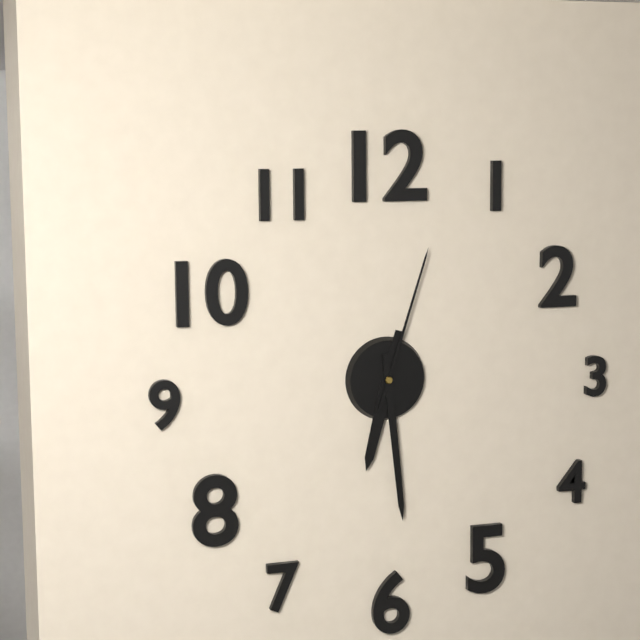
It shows 6.29.03
